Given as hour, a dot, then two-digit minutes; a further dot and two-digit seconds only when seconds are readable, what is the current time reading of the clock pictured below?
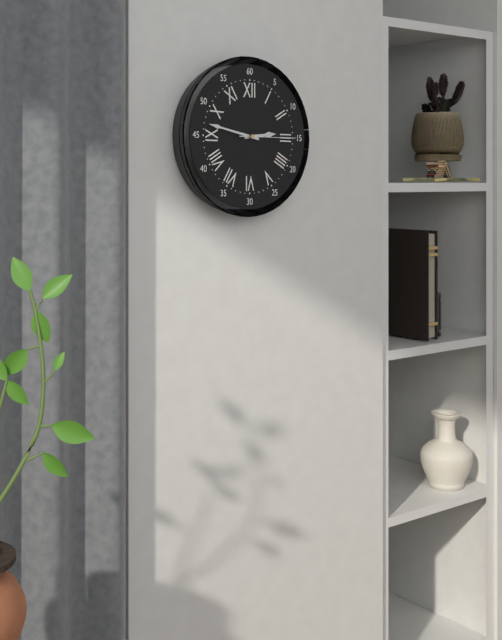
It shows 2.47.15
